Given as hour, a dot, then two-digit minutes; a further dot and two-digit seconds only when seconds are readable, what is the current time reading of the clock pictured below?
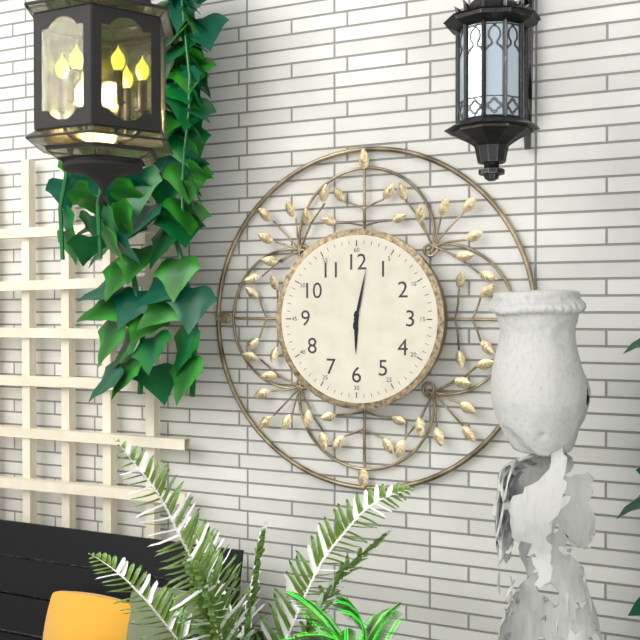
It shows 6.02
